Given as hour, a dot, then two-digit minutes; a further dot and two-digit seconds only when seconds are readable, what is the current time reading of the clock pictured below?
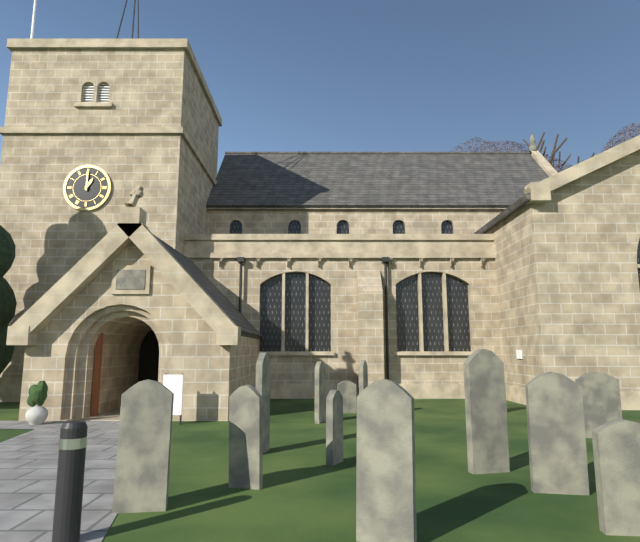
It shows 1.00
